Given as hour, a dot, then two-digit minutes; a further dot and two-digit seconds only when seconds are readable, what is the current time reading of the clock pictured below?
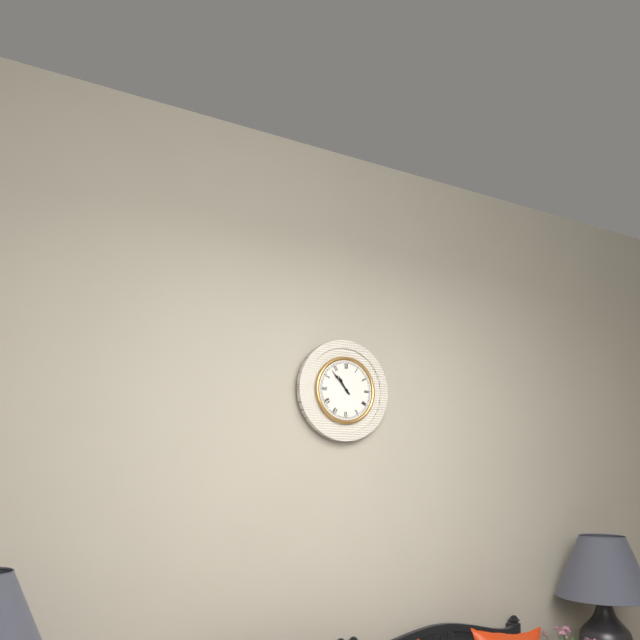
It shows 10.53
